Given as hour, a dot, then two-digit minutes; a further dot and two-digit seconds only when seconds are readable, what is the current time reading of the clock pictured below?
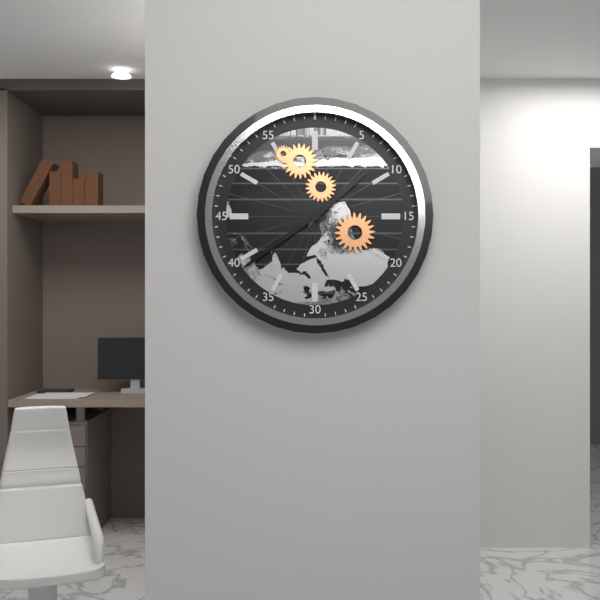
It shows 1.39
